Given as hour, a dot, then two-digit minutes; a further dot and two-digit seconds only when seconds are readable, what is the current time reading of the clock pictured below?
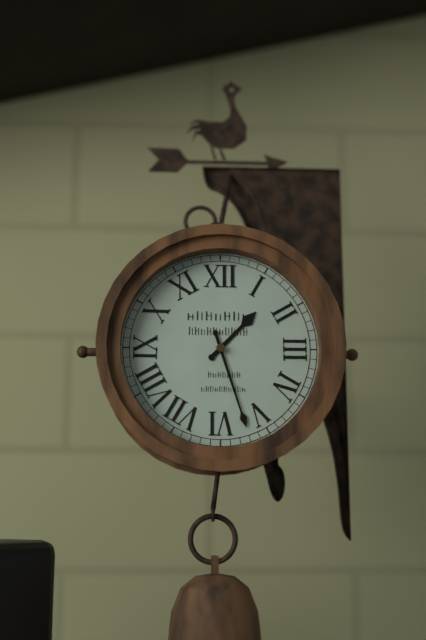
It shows 1.27
